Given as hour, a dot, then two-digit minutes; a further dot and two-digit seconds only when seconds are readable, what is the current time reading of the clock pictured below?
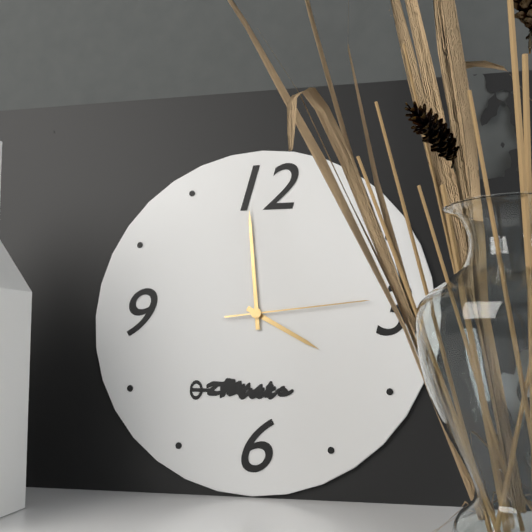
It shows 3.59.14
